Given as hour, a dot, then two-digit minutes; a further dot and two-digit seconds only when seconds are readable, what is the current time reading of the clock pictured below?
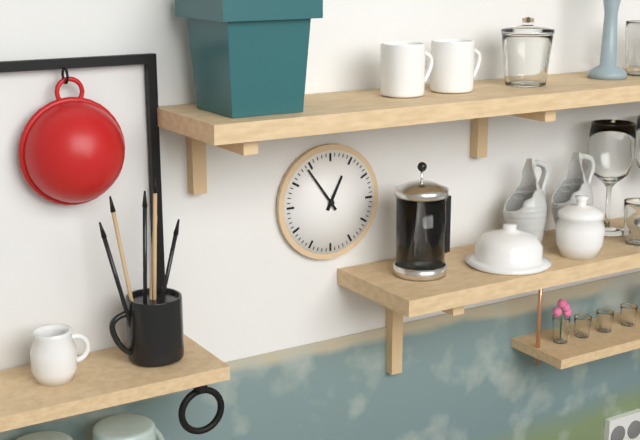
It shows 12.54
